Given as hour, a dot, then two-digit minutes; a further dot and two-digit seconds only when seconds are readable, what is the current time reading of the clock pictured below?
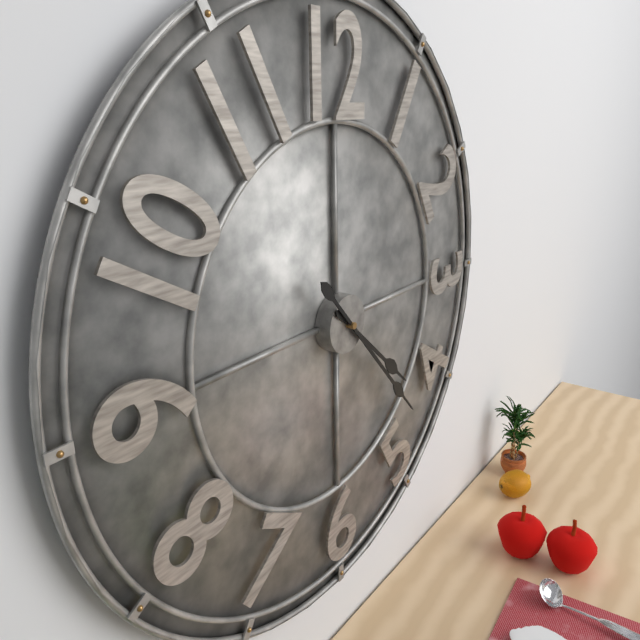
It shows 4.23
